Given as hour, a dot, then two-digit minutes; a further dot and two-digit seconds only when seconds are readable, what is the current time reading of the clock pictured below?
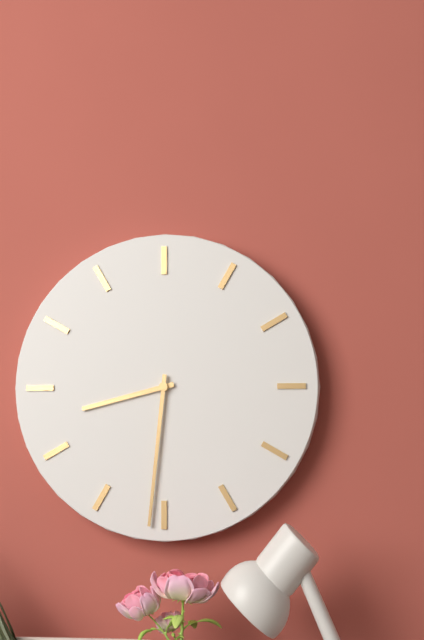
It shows 8.31
